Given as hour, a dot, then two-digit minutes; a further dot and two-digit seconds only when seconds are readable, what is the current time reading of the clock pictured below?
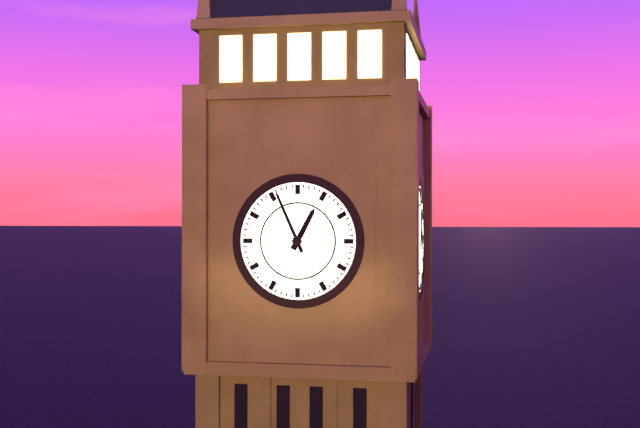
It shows 12.56
